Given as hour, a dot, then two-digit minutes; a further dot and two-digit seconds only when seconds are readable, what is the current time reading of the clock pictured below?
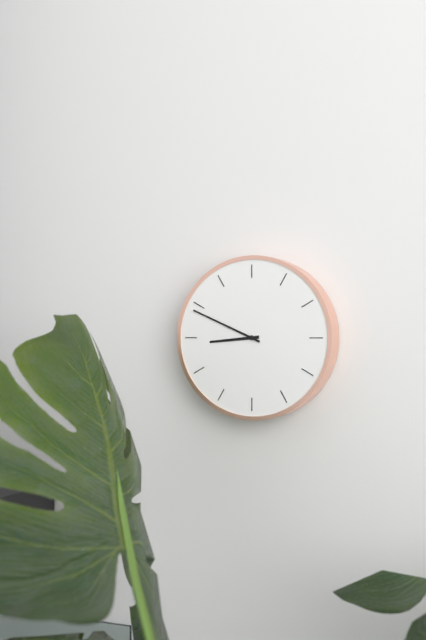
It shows 8.49
